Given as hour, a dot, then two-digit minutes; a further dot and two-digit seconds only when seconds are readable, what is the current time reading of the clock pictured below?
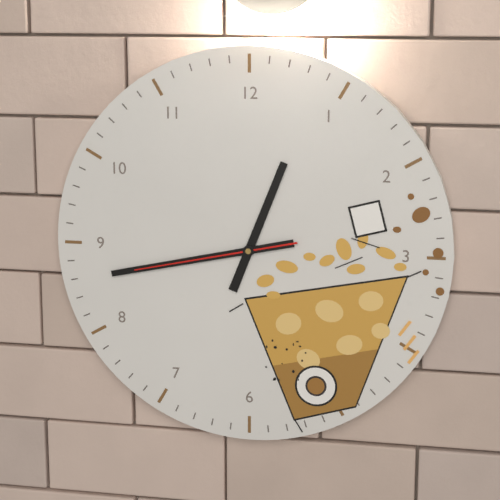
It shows 12.43.43
